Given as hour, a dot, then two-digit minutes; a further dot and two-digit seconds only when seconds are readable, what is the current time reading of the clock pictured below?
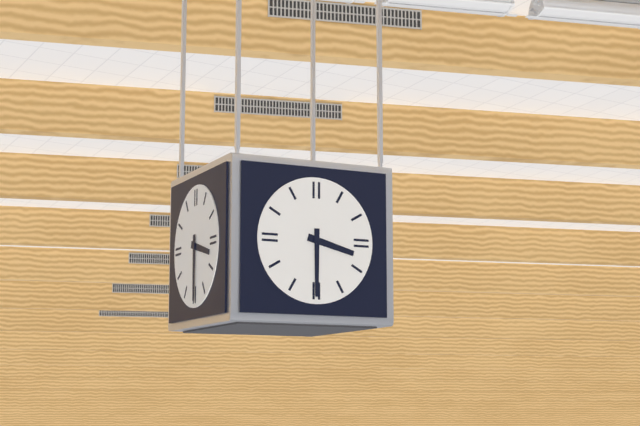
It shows 3.30
